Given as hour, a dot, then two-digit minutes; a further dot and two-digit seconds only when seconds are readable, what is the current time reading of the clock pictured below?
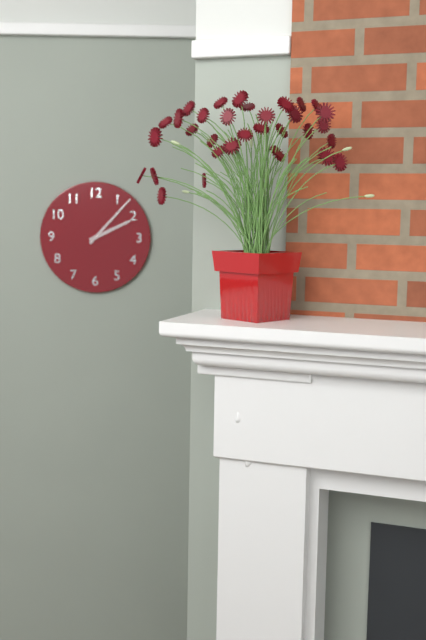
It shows 2.07
